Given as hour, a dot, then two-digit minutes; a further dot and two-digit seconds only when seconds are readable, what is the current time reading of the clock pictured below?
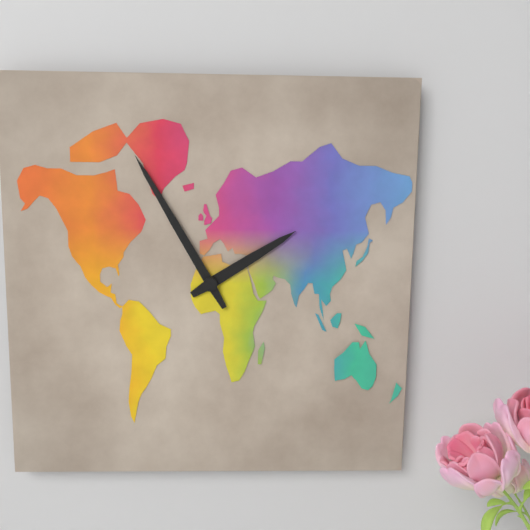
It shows 1.55
